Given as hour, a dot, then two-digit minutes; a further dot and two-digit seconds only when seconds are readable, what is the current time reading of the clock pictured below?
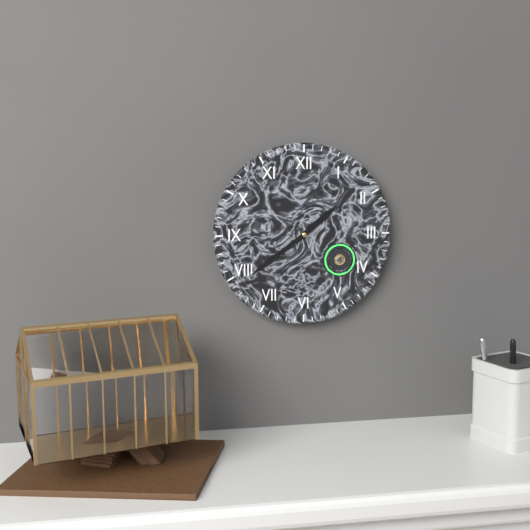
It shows 1.39
